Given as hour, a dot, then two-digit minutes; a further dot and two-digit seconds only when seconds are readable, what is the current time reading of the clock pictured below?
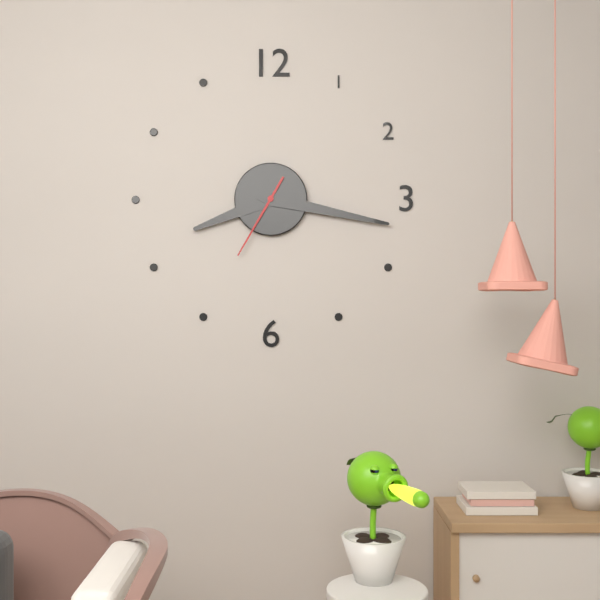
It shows 8.17.35
